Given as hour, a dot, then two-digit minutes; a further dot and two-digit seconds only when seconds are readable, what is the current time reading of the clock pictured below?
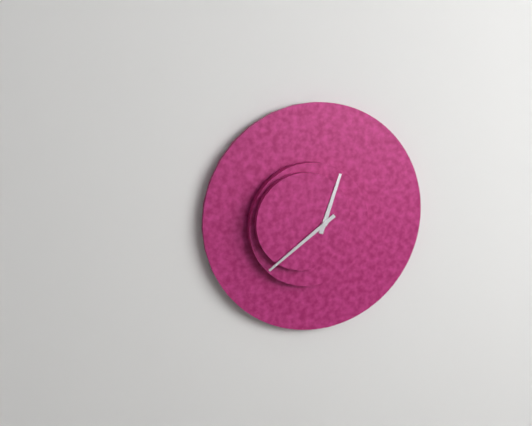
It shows 12.39
